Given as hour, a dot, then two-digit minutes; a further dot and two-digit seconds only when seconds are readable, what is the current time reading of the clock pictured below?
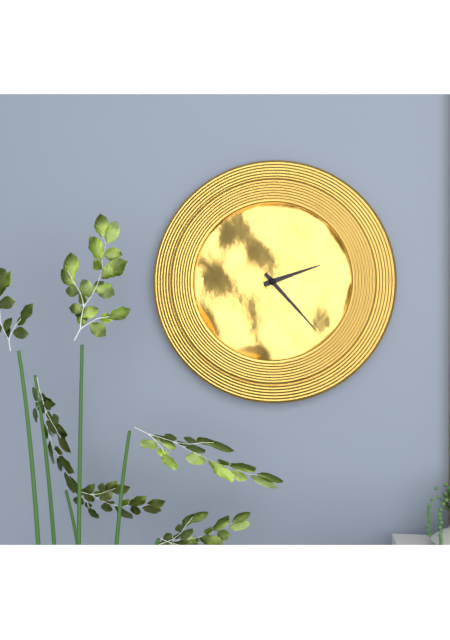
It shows 2.23
